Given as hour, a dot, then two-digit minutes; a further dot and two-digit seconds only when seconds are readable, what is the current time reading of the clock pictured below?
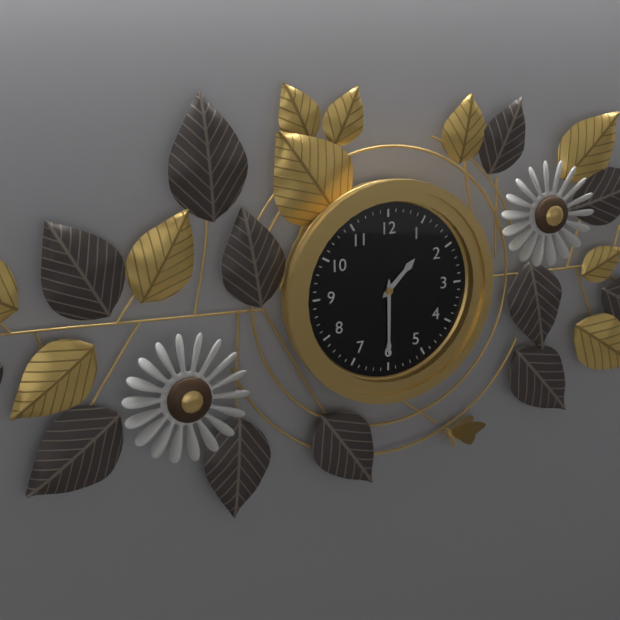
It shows 1.30
